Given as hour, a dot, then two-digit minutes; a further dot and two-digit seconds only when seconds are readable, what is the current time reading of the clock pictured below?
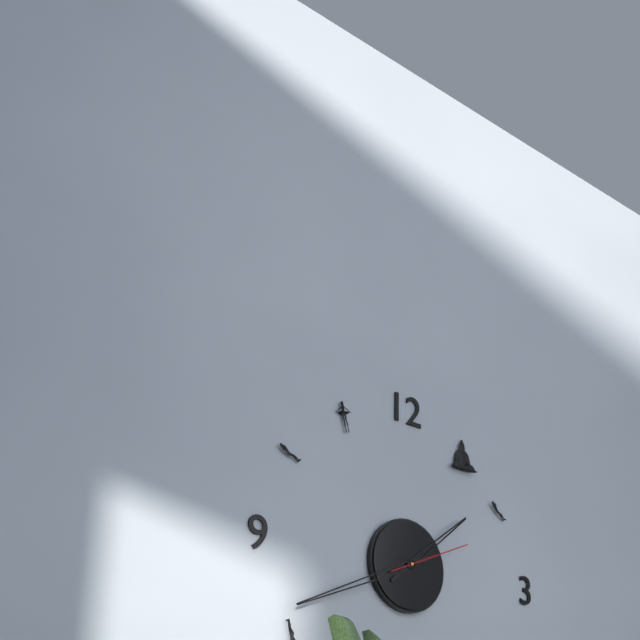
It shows 1.41.11
